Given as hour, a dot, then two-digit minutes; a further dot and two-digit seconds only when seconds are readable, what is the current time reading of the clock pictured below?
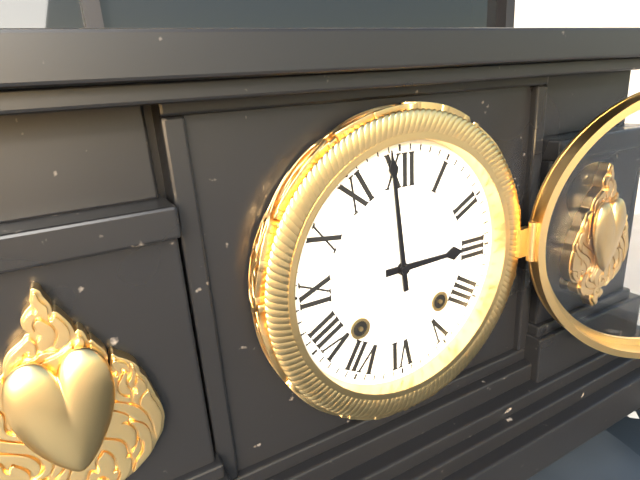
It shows 2.59
